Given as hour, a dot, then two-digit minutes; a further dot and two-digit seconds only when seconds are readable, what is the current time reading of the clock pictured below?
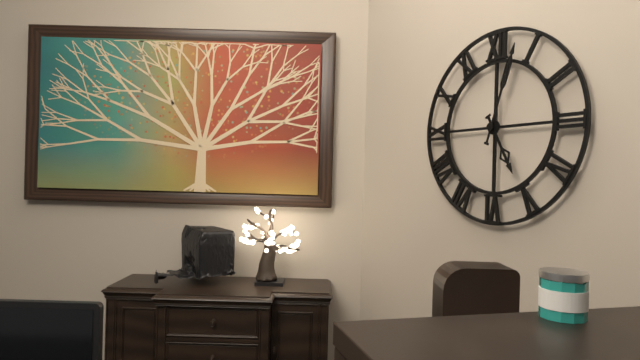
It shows 5.03
